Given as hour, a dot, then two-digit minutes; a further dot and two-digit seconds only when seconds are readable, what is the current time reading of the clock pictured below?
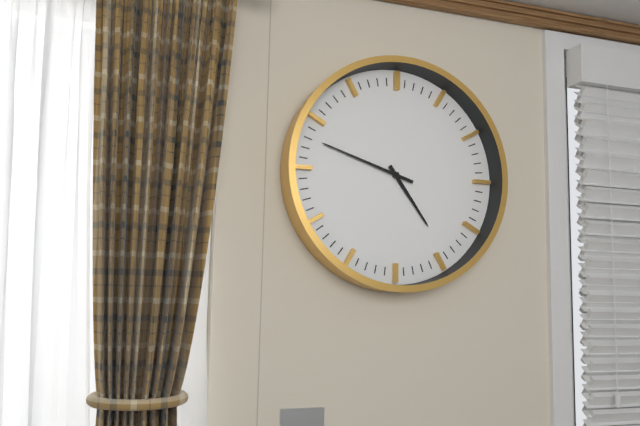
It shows 4.48
